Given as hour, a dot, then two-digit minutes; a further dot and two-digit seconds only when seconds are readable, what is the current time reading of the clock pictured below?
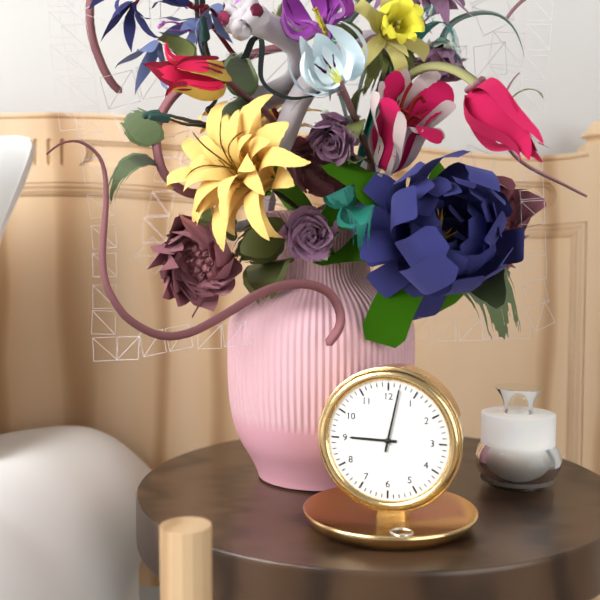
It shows 9.02
